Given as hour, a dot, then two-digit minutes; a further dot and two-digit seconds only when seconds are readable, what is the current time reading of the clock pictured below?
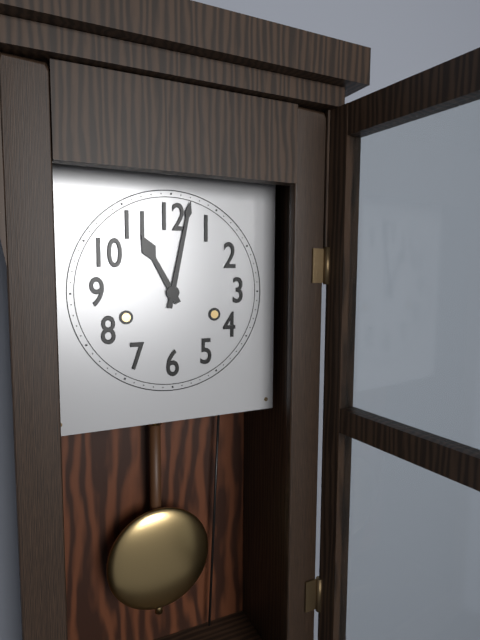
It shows 11.02
